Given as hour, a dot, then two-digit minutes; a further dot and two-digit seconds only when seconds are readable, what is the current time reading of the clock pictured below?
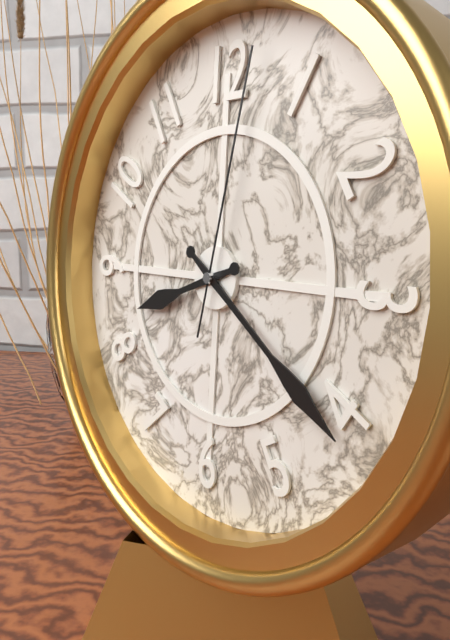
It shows 8.21.02
